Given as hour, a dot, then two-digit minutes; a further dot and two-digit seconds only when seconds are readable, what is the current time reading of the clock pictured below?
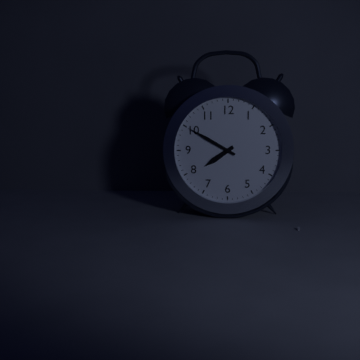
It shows 7.50
